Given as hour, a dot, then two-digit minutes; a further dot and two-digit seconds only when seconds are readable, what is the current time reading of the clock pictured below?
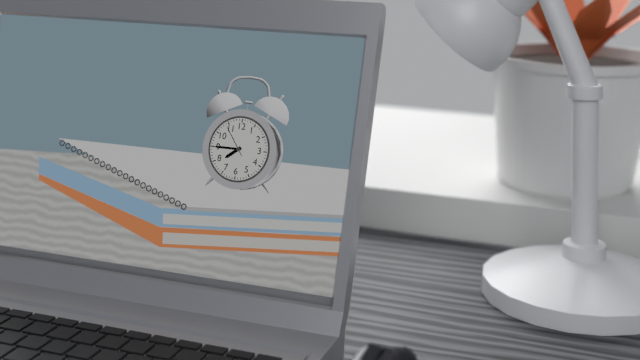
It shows 7.45
